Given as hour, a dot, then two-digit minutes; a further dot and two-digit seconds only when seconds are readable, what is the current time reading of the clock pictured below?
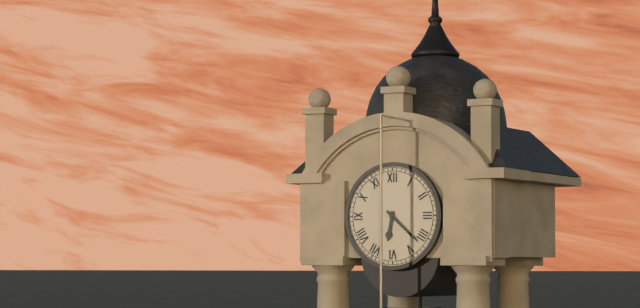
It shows 6.22
